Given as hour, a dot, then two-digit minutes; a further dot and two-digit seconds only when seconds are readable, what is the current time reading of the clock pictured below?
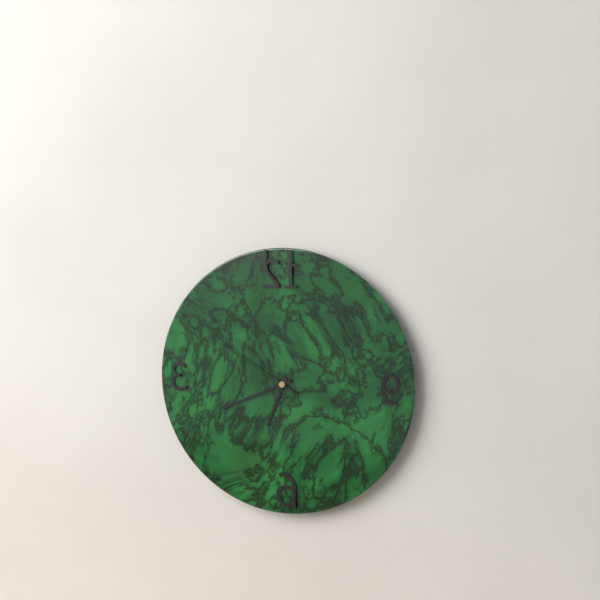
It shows 6.41.50
